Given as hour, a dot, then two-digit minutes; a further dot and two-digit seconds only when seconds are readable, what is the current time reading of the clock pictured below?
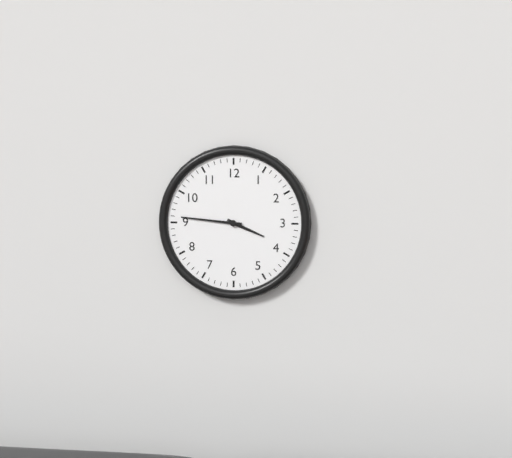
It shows 3.46
